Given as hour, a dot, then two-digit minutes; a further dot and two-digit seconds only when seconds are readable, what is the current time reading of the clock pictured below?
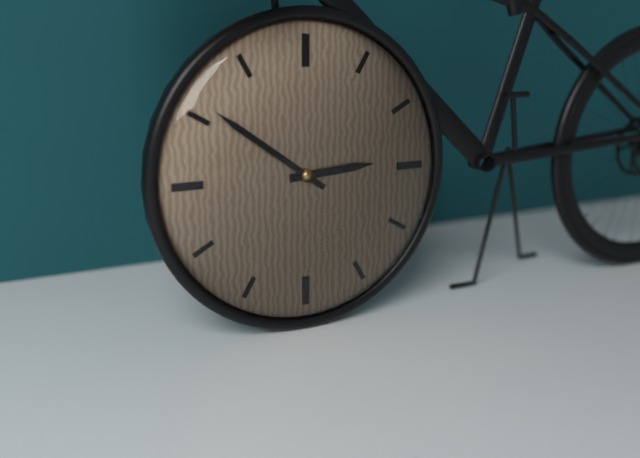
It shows 2.51
